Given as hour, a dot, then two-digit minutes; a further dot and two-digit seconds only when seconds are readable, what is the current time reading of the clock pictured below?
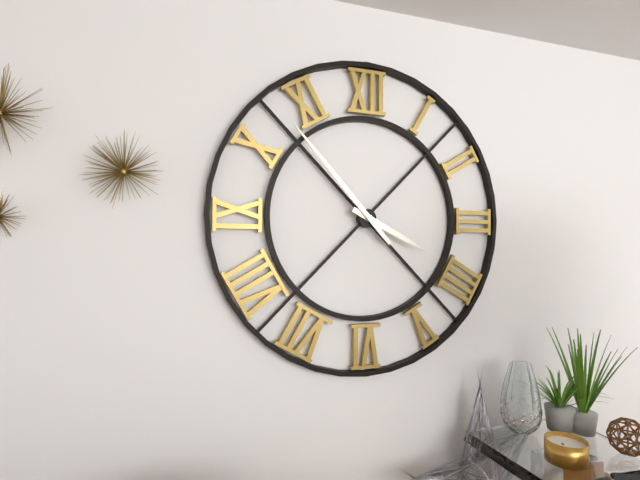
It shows 3.53
